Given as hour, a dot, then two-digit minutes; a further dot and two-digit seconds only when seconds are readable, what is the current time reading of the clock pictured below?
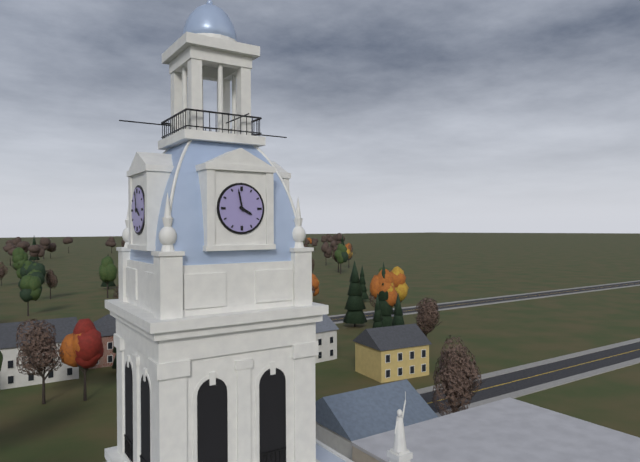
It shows 3.58
